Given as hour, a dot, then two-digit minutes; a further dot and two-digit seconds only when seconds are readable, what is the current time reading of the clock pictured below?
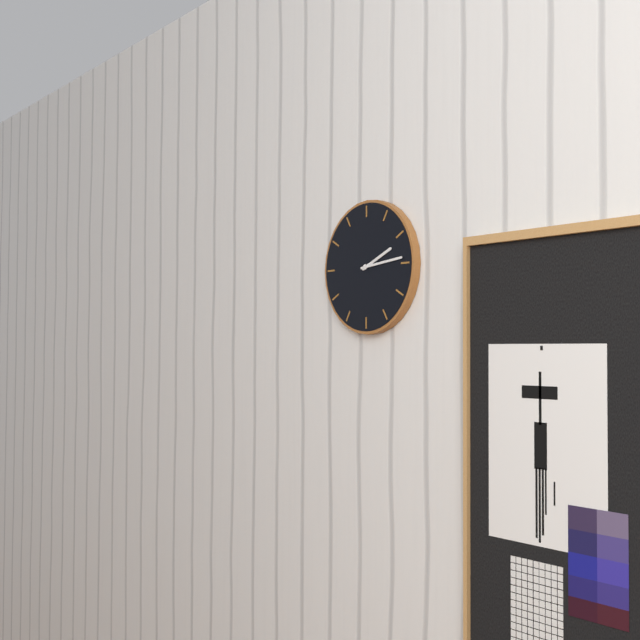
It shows 2.14
